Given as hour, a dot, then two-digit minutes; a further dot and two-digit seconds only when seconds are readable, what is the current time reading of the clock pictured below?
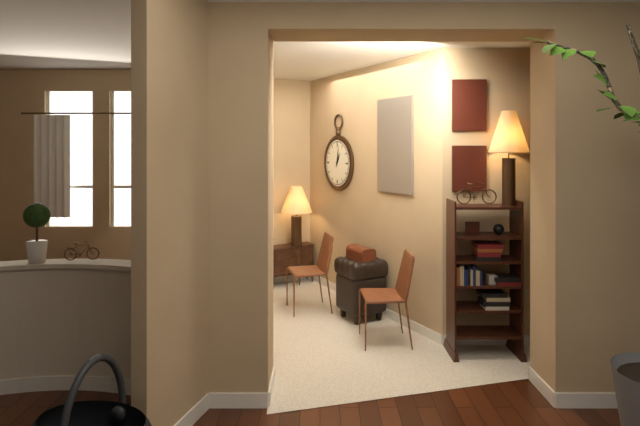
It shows 1.02
